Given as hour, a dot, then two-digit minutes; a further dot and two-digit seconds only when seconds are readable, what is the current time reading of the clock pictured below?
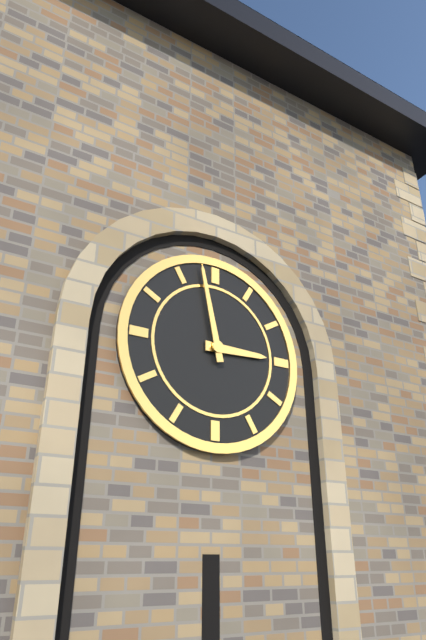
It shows 2.58
